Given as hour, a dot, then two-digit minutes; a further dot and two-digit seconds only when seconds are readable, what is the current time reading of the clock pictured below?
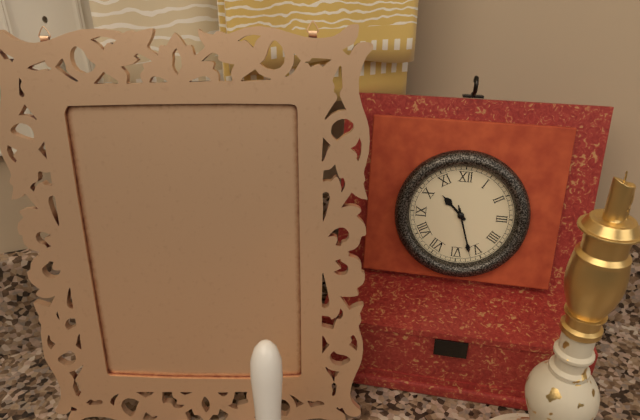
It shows 10.27.27
